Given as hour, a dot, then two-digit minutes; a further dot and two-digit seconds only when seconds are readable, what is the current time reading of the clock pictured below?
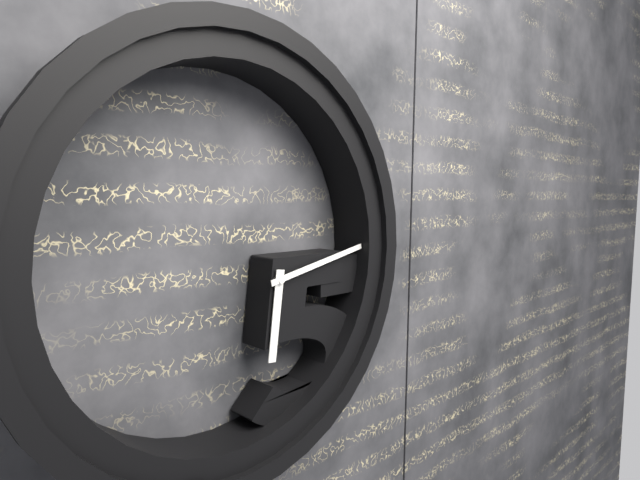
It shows 6.13
